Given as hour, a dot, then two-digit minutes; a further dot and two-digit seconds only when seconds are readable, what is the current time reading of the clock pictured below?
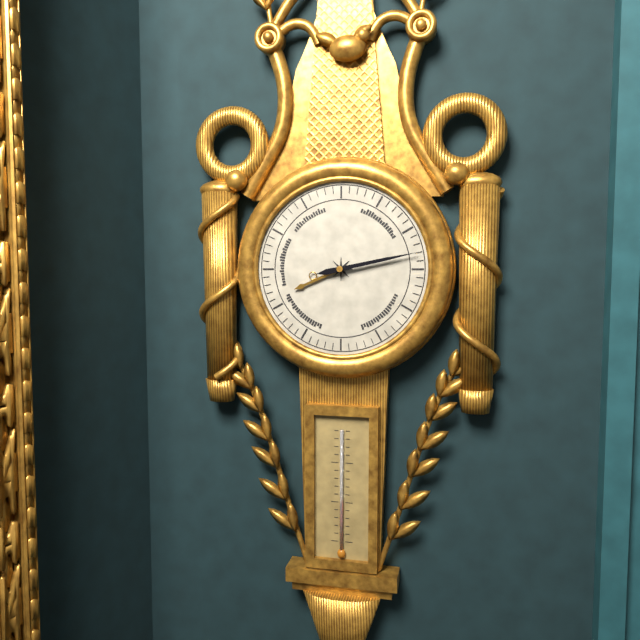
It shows 8.13
